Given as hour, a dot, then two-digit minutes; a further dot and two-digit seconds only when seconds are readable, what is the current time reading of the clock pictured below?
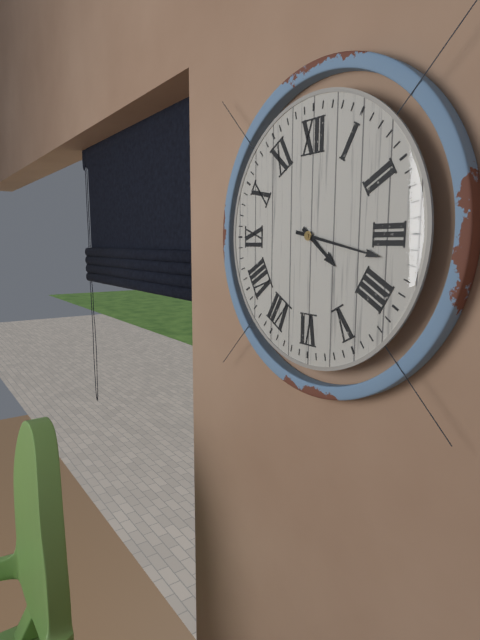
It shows 4.17
